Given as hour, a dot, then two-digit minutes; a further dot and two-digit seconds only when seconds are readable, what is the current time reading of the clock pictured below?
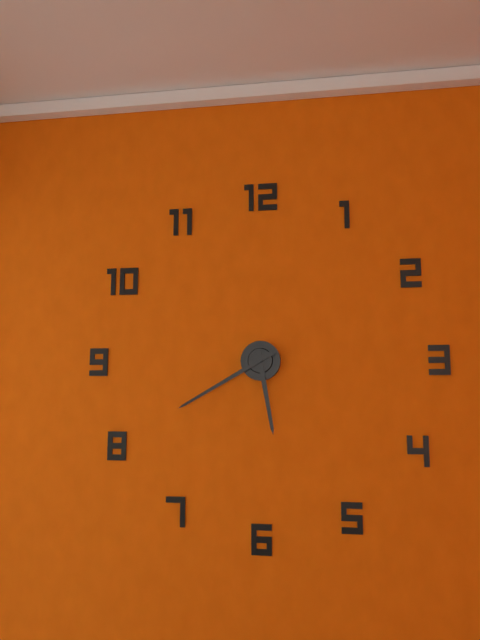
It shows 5.40
